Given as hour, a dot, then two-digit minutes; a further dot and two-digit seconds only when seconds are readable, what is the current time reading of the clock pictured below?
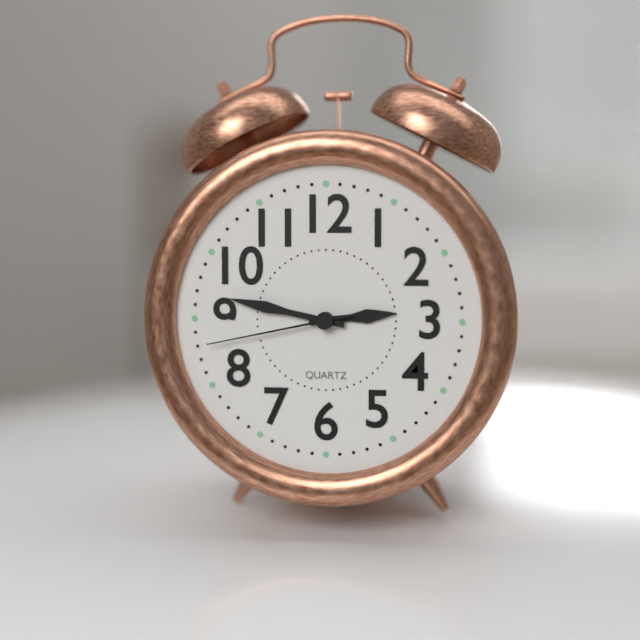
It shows 2.47.43
